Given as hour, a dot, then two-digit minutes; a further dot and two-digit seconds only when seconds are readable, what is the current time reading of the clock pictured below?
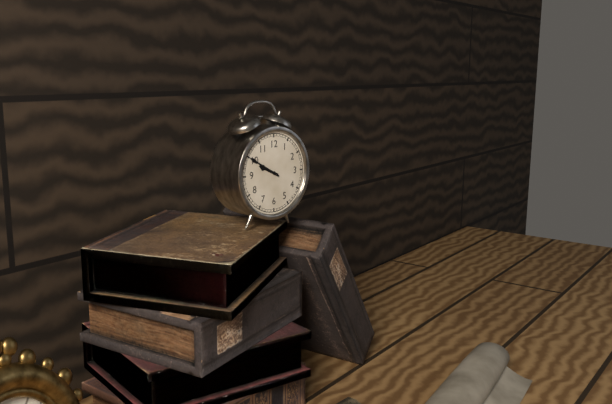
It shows 9.50
